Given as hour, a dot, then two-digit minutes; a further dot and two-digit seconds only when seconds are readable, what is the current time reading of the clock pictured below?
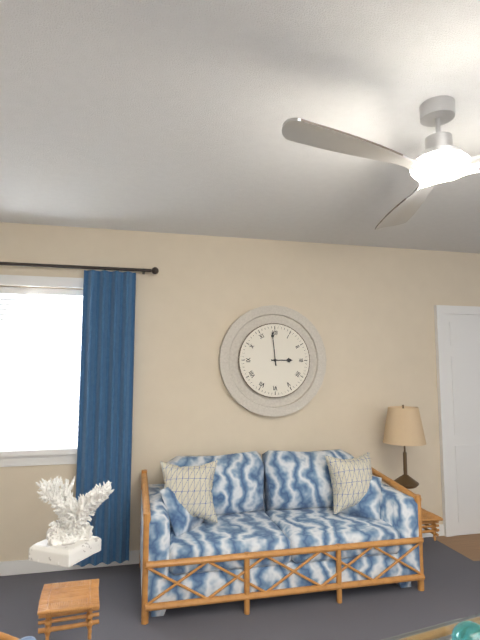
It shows 2.59
